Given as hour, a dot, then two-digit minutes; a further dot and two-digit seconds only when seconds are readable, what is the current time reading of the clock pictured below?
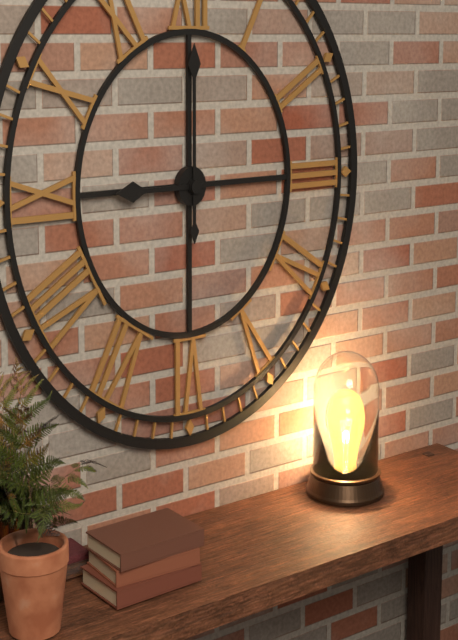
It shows 9.00
